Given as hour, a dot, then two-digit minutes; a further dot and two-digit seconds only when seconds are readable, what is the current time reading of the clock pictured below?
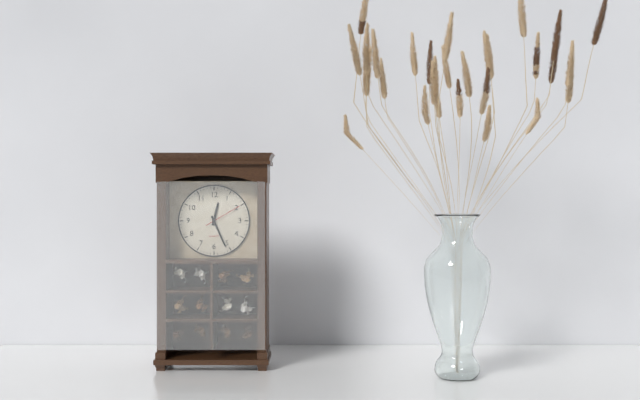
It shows 12.26
